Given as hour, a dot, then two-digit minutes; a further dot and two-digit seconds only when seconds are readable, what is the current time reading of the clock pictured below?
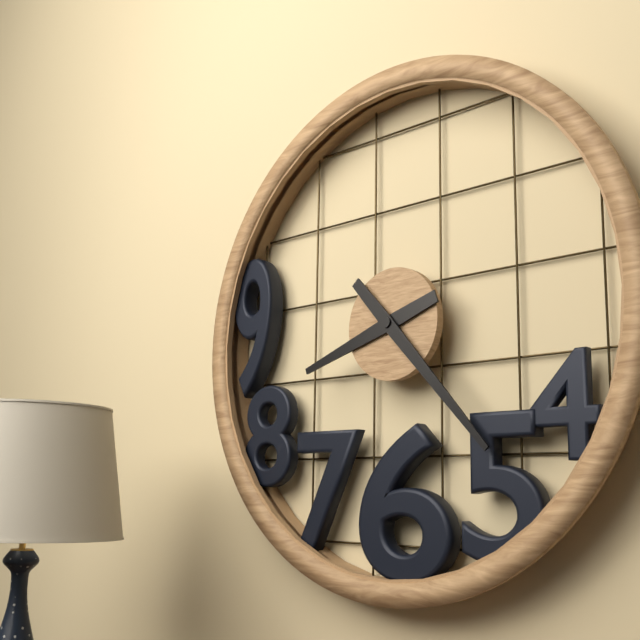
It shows 8.23
